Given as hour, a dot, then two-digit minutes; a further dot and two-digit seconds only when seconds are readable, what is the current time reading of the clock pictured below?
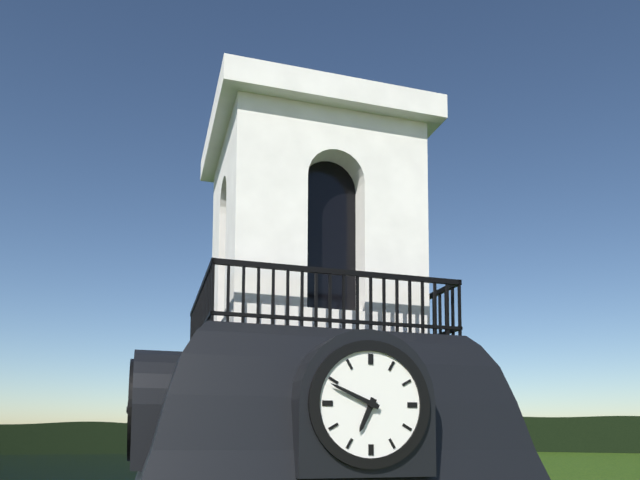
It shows 6.49
